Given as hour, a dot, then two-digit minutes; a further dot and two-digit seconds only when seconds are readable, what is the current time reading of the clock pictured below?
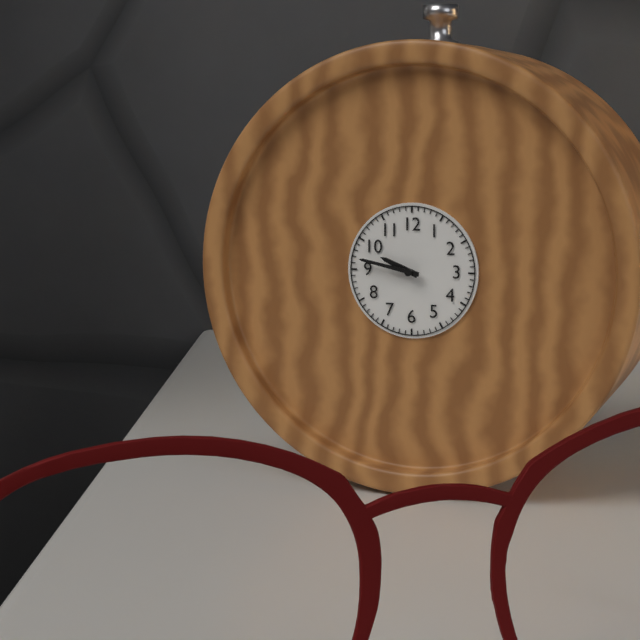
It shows 9.47
